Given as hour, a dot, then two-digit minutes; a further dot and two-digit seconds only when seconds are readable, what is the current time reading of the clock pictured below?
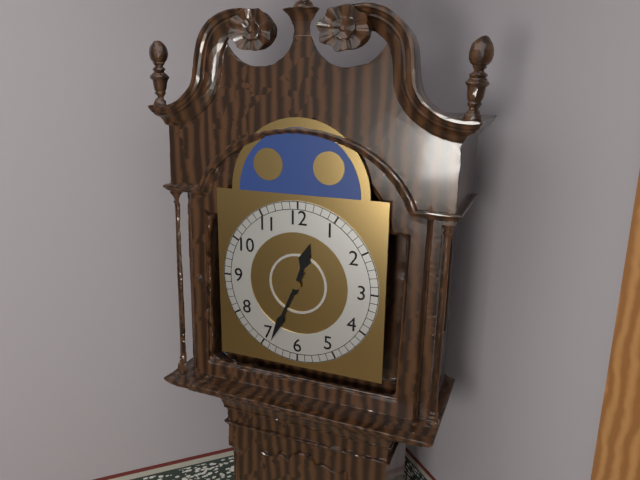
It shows 12.34
